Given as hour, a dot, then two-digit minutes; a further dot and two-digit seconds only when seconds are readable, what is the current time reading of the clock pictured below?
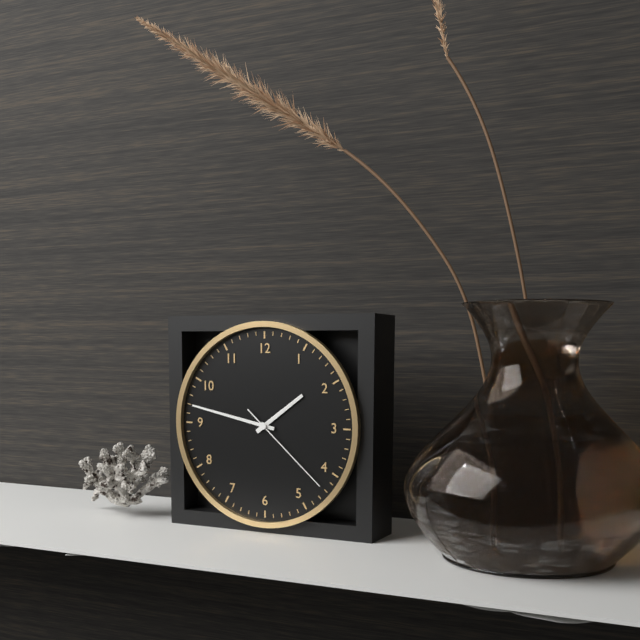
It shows 1.47.22
